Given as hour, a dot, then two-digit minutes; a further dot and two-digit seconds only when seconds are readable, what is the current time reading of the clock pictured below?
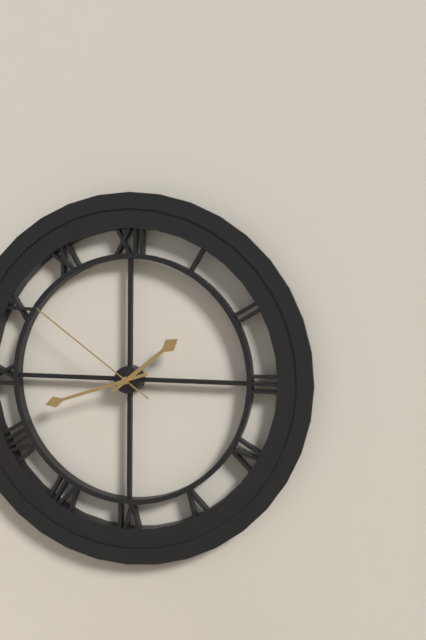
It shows 1.42.51
